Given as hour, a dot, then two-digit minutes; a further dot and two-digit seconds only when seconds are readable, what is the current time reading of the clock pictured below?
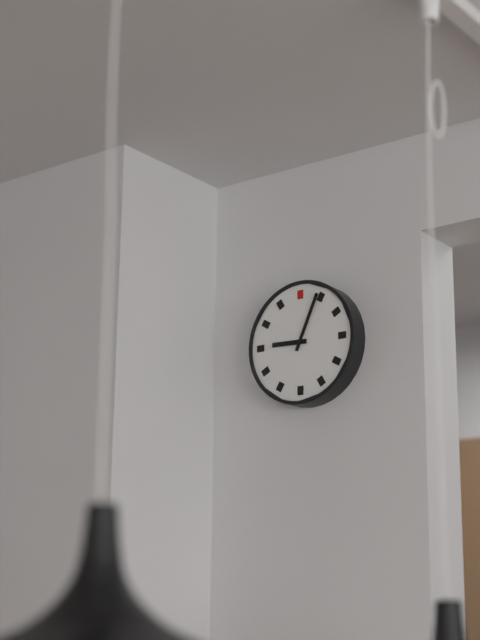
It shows 9.04
